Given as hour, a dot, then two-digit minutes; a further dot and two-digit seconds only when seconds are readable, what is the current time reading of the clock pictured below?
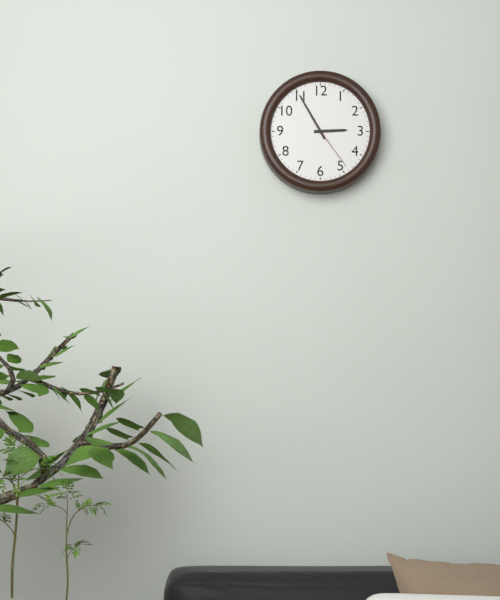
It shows 2.55.24
